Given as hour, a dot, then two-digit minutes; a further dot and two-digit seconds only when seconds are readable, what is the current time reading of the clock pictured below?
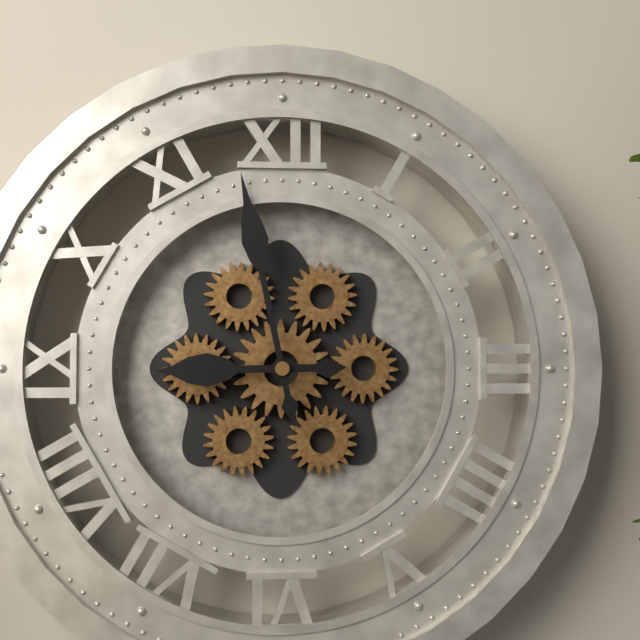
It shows 8.58
